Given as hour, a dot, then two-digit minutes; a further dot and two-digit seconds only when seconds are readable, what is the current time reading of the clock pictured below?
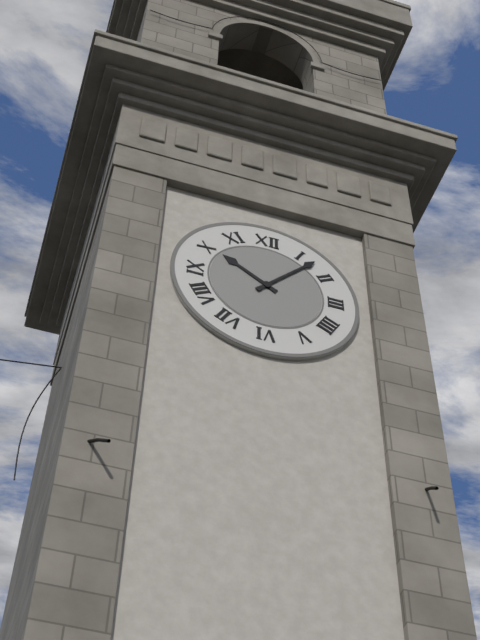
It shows 10.07
